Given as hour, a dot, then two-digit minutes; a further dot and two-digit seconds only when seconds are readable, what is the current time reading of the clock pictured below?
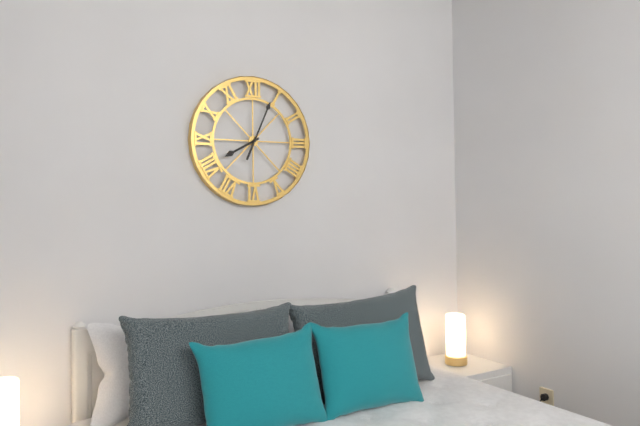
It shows 8.04
